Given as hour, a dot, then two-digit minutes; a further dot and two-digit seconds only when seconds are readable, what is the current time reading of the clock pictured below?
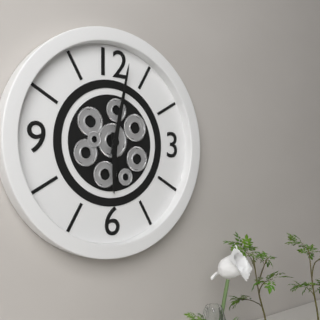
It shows 6.02
